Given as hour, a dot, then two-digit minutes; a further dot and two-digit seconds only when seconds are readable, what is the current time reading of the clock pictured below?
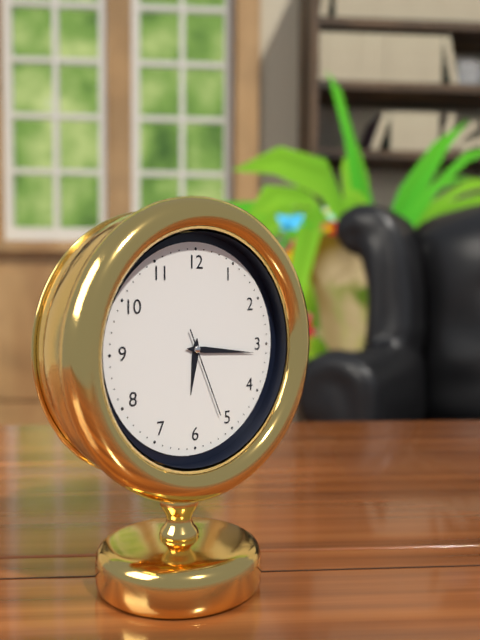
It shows 6.16.26
